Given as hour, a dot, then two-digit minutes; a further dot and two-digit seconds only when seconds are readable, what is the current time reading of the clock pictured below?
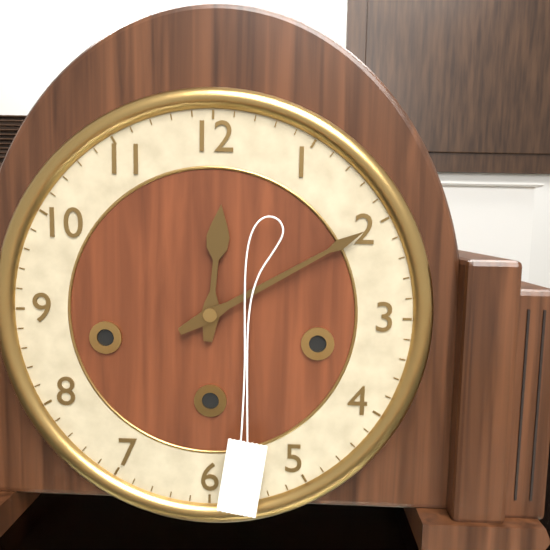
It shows 12.10
